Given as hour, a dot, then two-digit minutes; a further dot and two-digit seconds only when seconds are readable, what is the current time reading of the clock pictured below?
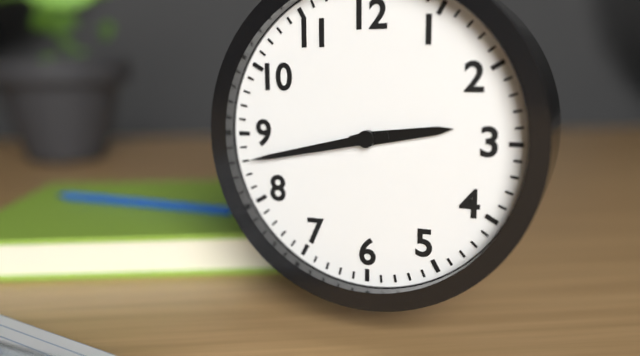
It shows 2.43
